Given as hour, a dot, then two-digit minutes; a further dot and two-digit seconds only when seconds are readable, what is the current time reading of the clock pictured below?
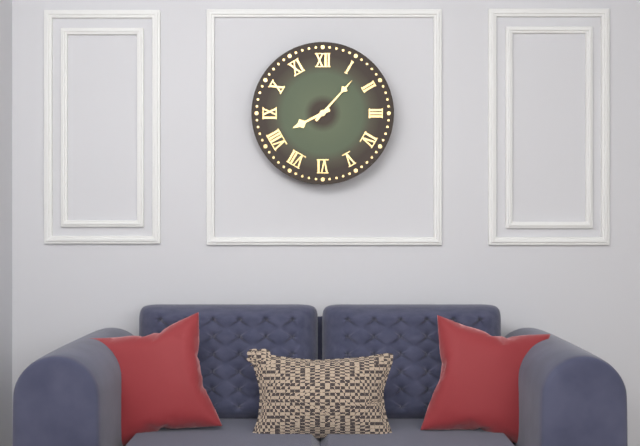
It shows 8.07
